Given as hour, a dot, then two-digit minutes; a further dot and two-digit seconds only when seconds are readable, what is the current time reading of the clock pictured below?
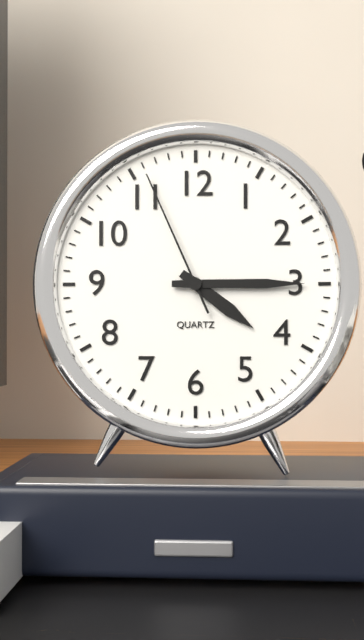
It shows 4.15.56
